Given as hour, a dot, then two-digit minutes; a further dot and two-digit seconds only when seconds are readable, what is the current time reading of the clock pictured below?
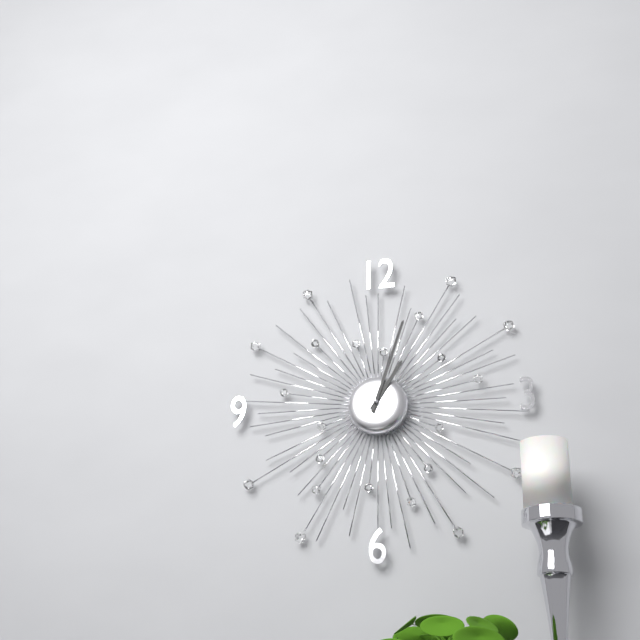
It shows 1.03
